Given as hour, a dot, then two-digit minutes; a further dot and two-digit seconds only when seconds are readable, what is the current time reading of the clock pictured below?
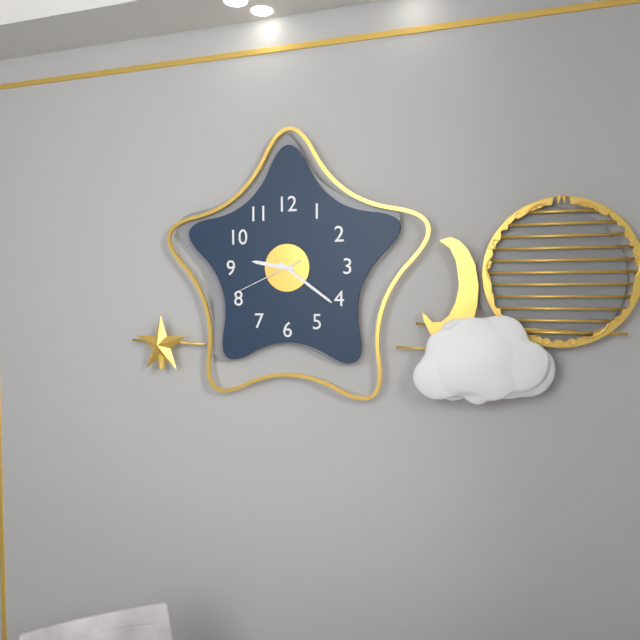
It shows 9.21.41
